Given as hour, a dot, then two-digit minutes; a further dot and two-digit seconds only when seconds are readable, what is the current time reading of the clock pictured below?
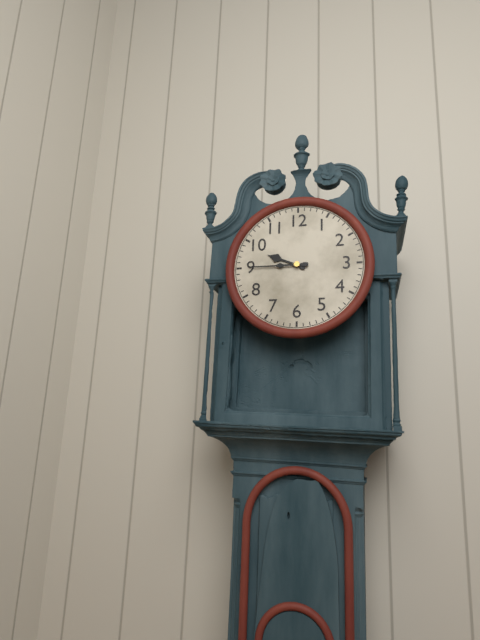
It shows 9.45
